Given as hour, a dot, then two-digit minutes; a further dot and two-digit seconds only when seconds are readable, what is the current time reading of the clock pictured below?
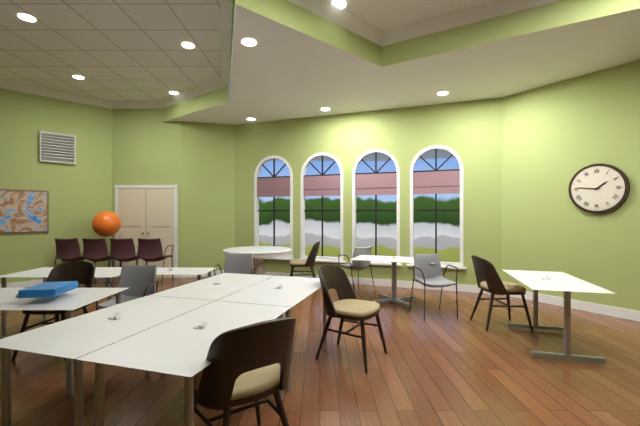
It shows 1.46
